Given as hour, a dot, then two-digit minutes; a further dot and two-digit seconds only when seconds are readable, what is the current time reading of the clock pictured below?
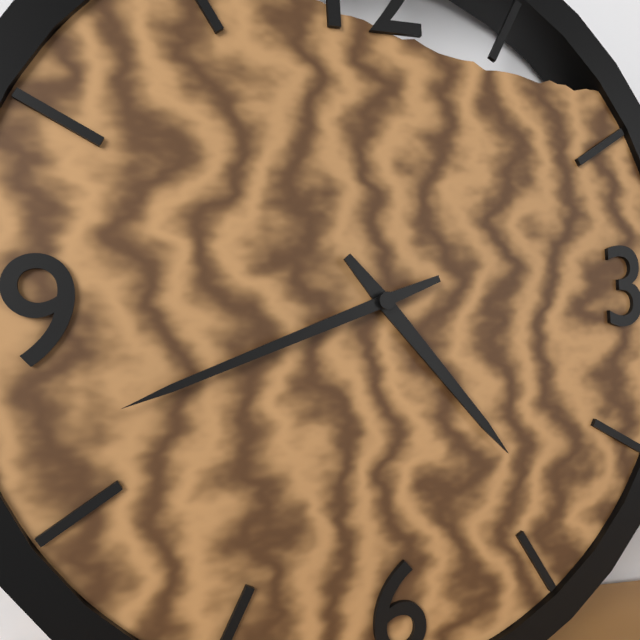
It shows 4.42
